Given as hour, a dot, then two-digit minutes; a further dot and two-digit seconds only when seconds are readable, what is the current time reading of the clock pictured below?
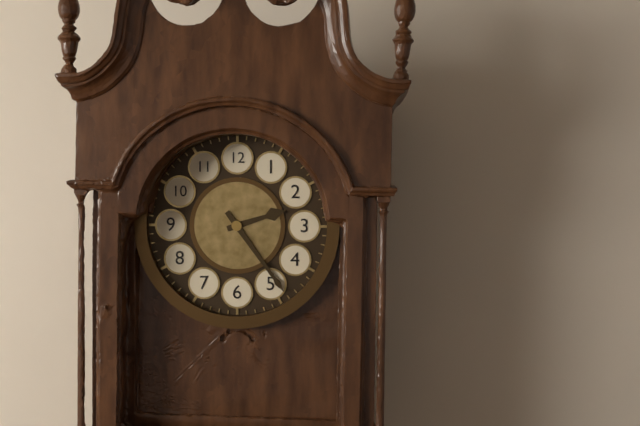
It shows 2.24
